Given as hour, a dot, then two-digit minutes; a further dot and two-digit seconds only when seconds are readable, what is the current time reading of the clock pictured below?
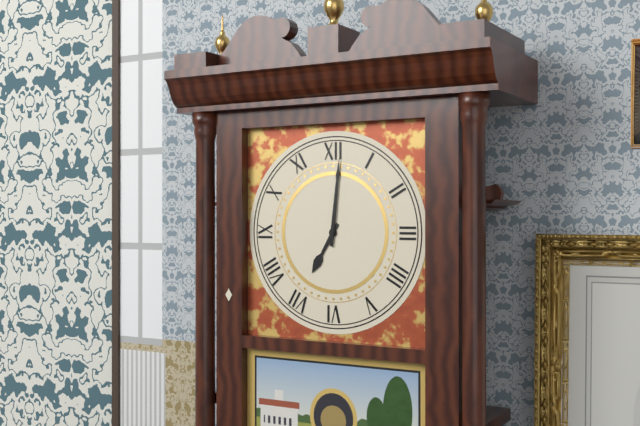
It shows 7.01
